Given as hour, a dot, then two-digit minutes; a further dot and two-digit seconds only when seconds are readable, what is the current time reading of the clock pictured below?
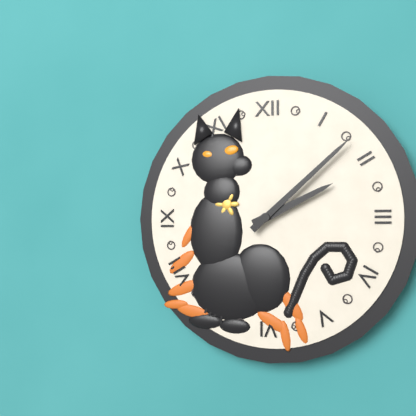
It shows 2.08
